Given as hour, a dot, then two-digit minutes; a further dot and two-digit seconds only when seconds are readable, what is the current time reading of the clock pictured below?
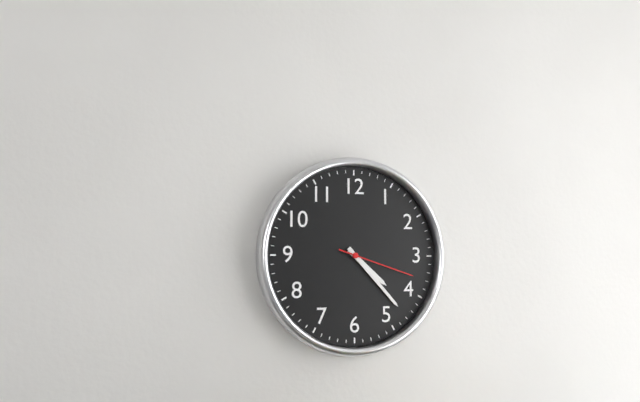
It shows 4.23.18
